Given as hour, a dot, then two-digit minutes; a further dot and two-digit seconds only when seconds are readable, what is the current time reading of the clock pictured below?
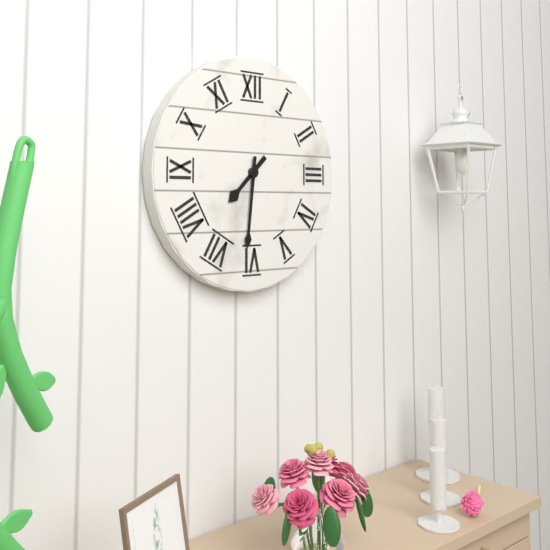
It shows 7.31
